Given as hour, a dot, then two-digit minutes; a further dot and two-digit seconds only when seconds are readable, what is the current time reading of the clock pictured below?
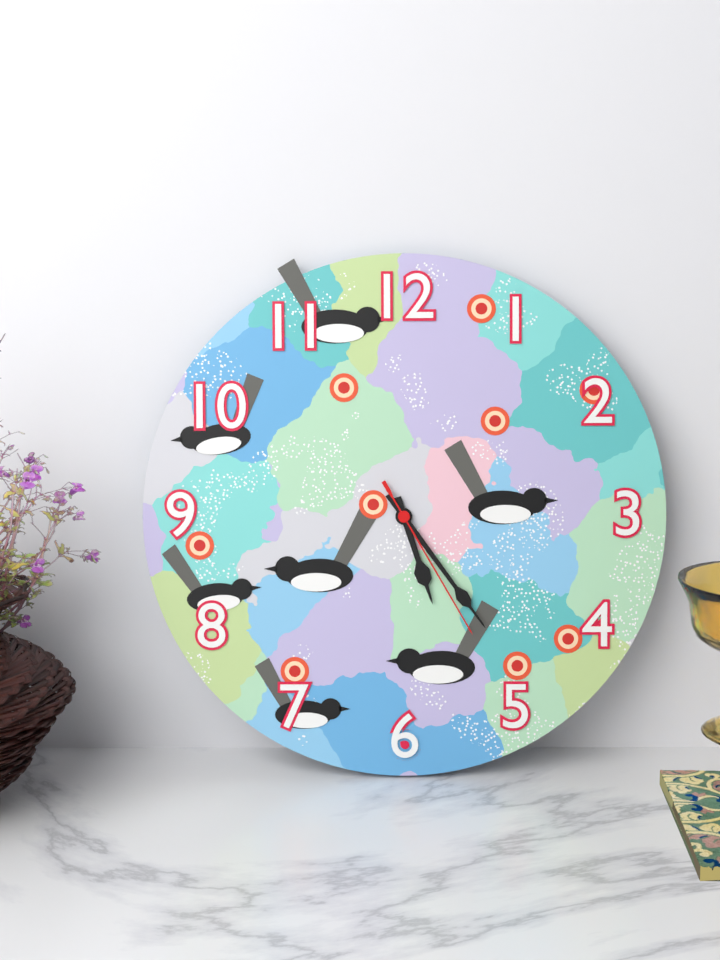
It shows 5.24.25
